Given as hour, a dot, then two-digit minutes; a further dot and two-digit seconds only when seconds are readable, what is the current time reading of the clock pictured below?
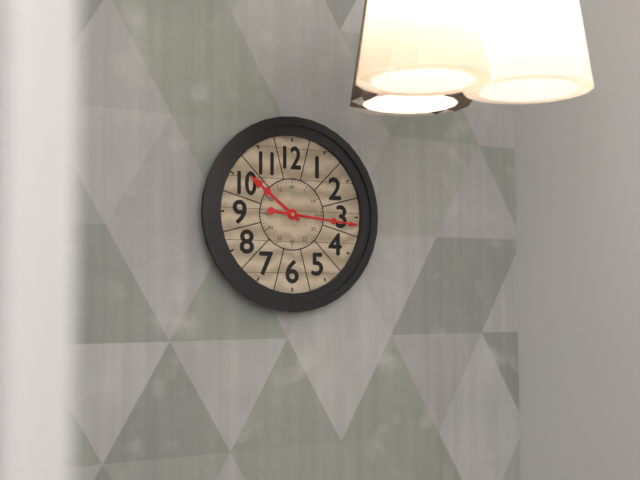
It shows 10.16
